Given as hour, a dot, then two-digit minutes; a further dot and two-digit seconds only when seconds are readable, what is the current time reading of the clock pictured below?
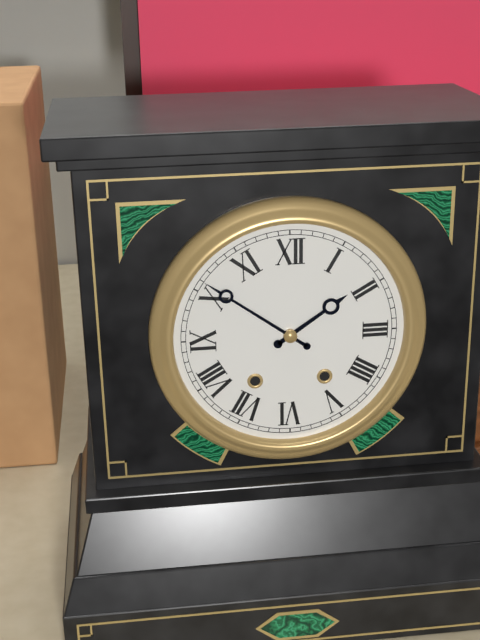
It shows 1.51
